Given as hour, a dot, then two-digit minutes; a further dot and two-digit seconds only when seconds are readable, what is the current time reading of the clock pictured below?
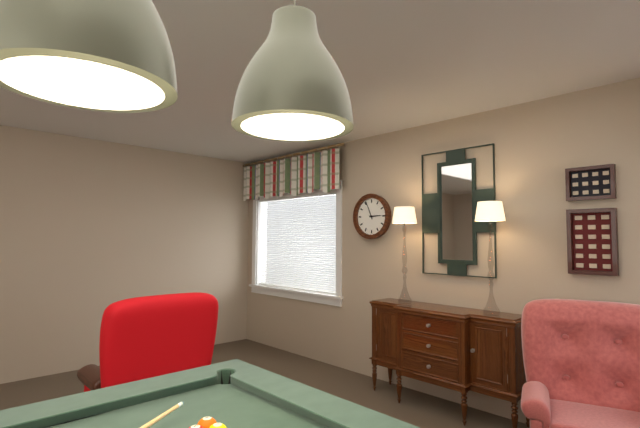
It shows 2.56
